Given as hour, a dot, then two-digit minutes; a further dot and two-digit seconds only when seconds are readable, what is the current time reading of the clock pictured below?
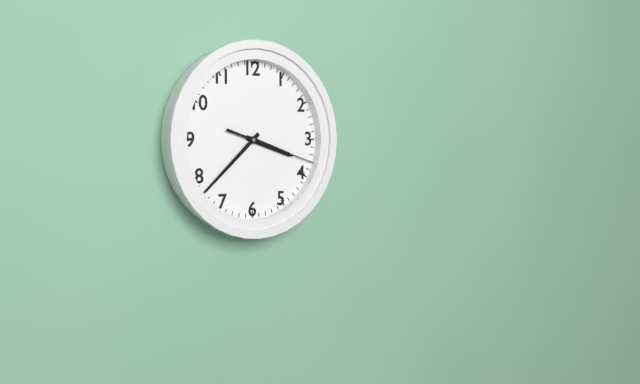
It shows 3.38.18
